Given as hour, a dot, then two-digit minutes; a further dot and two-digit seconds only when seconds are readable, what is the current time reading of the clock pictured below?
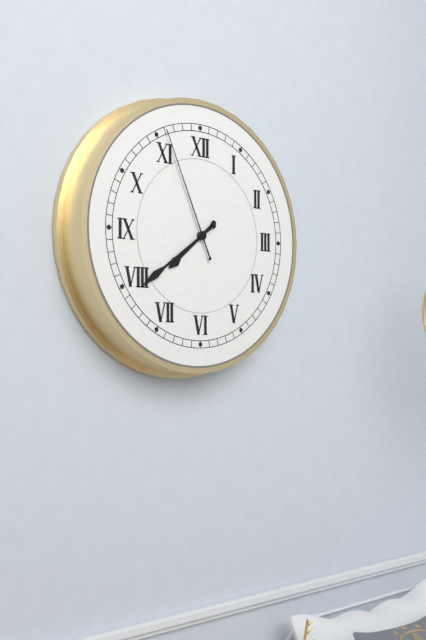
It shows 7.39.56
